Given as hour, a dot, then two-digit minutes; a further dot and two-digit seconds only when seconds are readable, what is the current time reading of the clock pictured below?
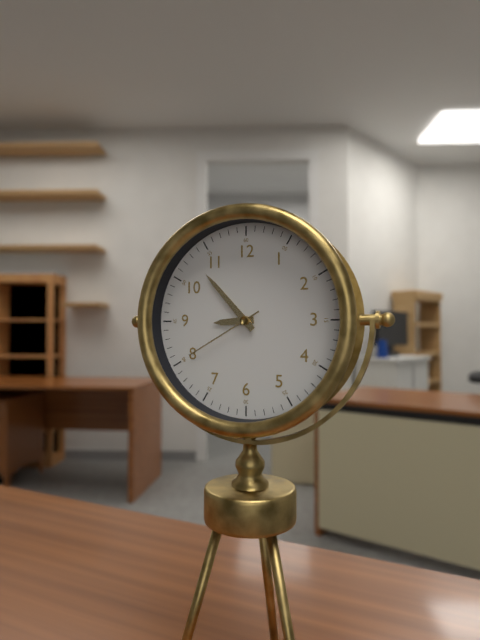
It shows 8.53.40
